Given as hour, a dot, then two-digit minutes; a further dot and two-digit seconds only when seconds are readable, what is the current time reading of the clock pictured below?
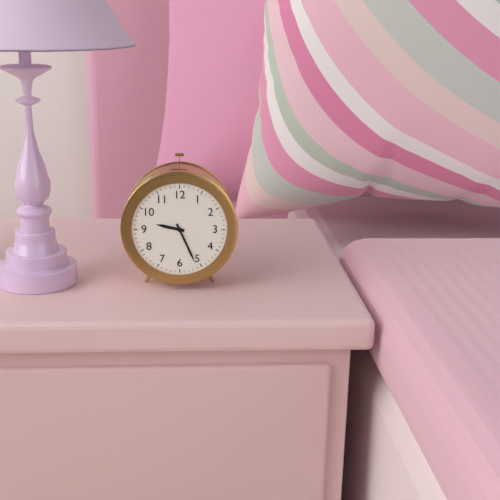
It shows 9.26
